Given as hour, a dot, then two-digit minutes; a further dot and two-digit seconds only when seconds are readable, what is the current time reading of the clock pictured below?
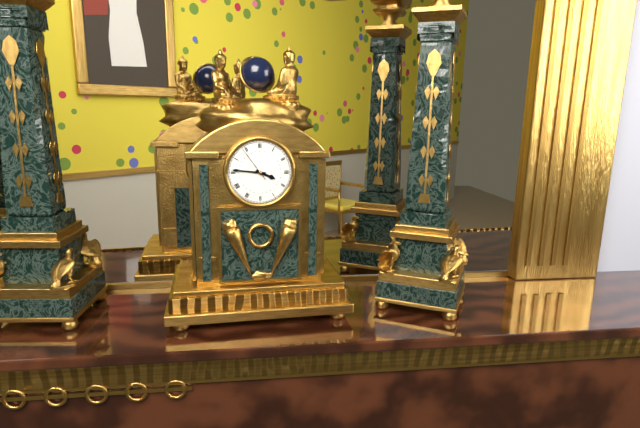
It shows 3.46
